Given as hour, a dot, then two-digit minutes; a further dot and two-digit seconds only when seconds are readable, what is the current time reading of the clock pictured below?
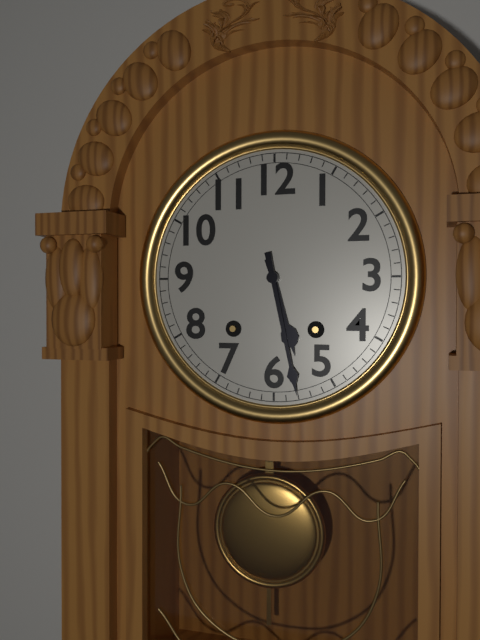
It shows 5.28
